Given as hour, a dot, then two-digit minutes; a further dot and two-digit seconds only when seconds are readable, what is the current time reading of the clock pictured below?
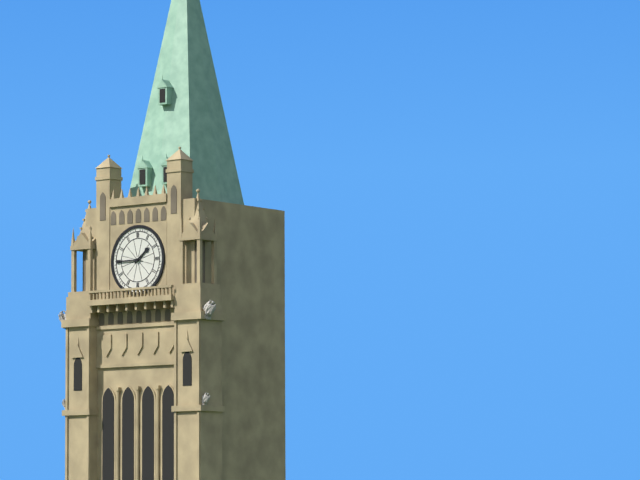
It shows 1.45
